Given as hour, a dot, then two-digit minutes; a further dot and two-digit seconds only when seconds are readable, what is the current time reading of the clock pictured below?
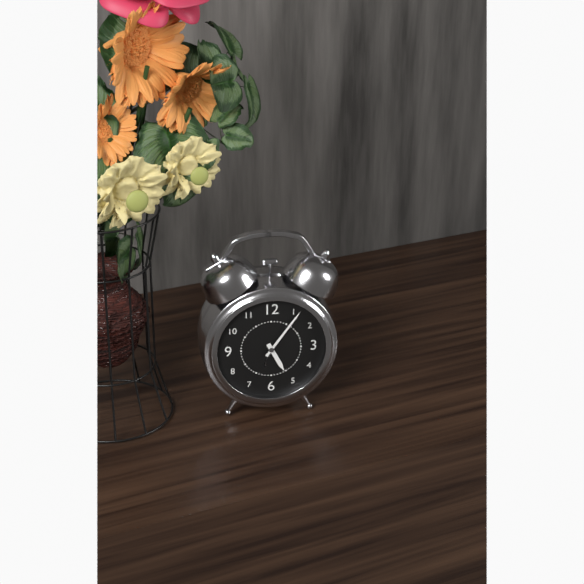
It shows 5.06
